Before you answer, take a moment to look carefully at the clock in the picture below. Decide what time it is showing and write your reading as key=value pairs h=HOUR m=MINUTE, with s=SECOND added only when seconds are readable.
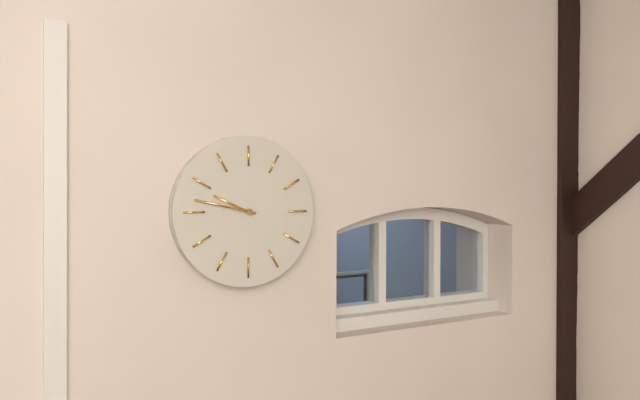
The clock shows h=9 m=47
